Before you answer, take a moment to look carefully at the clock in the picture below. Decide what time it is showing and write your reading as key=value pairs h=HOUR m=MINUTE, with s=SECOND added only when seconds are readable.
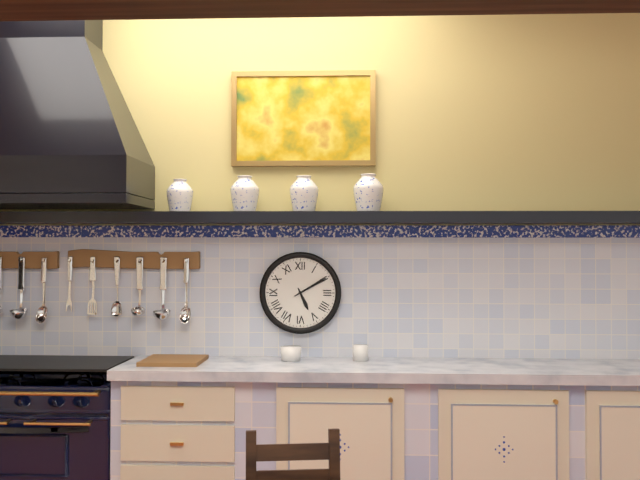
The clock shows h=5 m=10
